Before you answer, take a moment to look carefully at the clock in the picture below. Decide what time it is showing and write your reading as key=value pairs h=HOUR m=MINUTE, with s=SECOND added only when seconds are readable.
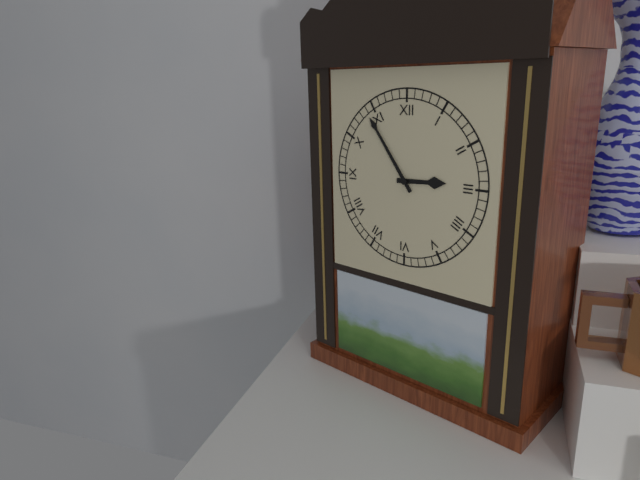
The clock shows h=2 m=54
